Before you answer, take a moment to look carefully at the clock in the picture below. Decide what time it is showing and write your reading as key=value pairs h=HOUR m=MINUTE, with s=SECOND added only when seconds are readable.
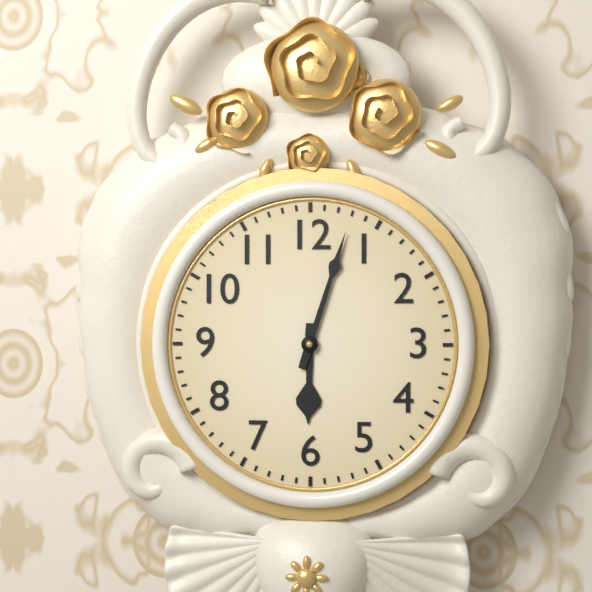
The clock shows h=6 m=3
